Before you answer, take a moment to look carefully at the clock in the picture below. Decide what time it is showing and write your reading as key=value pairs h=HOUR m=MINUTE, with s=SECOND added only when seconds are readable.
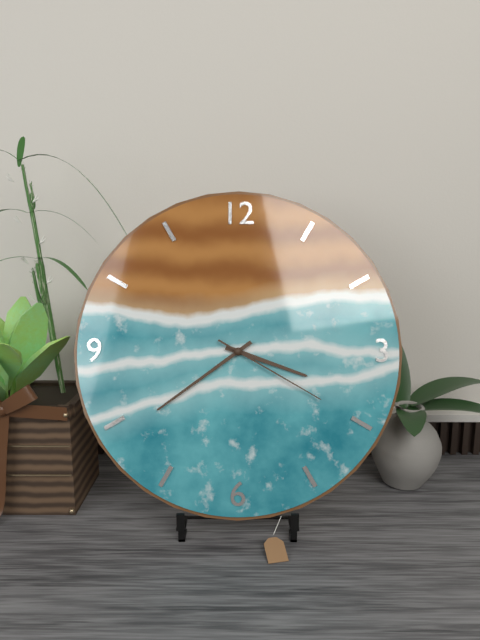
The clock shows h=3 m=39 s=20
